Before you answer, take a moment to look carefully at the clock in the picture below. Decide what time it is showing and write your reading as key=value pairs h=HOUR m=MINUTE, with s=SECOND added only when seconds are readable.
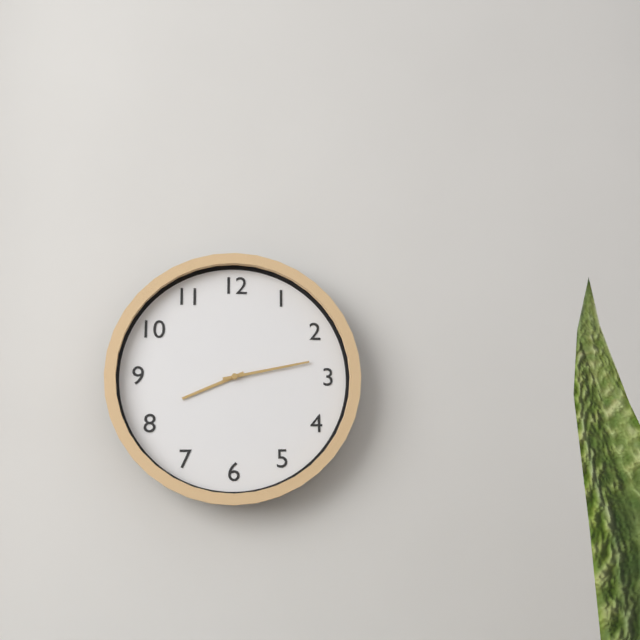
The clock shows h=8 m=13
